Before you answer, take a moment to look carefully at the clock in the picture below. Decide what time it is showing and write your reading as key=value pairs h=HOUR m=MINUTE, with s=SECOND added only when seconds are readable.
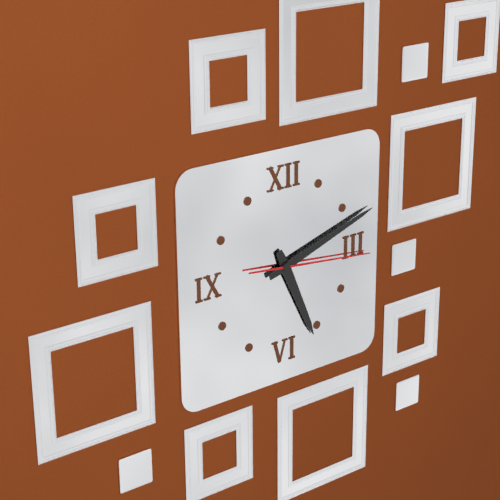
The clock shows h=5 m=12 s=16
